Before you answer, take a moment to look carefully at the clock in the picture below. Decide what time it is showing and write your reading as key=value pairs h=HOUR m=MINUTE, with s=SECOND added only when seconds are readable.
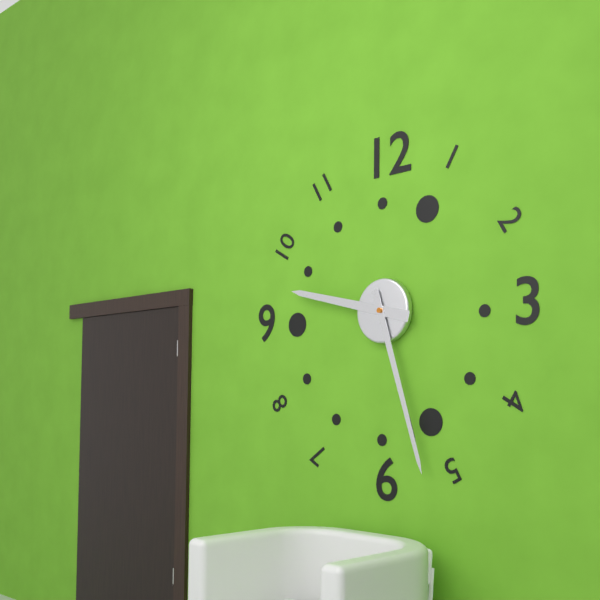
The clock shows h=9 m=27
